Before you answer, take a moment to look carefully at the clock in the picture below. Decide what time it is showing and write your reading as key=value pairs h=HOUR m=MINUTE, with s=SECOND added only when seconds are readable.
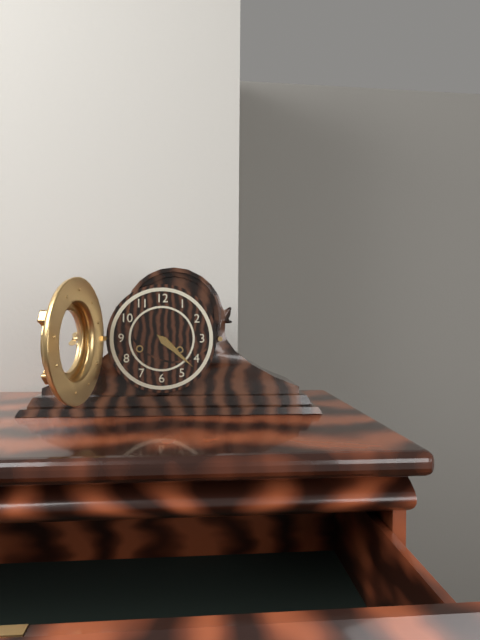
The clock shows h=4 m=22
